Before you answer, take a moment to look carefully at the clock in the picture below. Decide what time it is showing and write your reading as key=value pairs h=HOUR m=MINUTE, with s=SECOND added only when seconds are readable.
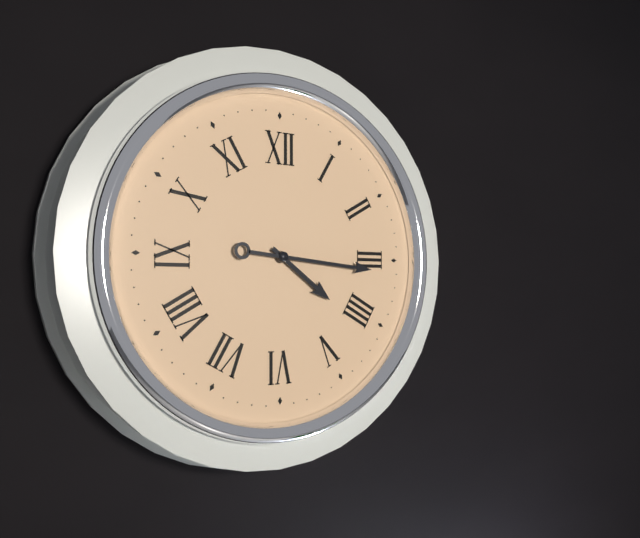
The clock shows h=4 m=16
